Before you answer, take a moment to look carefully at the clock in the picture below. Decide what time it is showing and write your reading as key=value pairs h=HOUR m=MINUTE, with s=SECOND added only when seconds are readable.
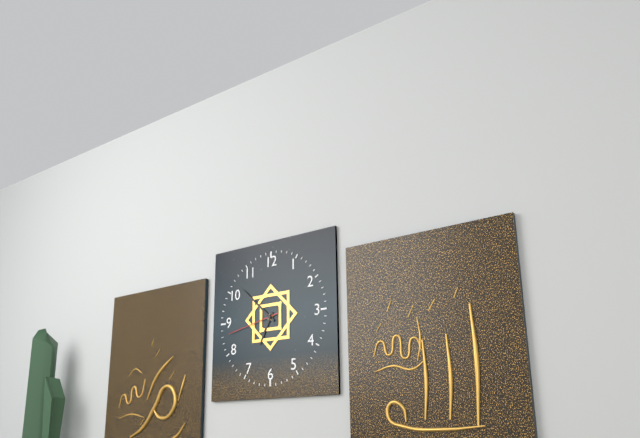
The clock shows h=6 m=52 s=43
